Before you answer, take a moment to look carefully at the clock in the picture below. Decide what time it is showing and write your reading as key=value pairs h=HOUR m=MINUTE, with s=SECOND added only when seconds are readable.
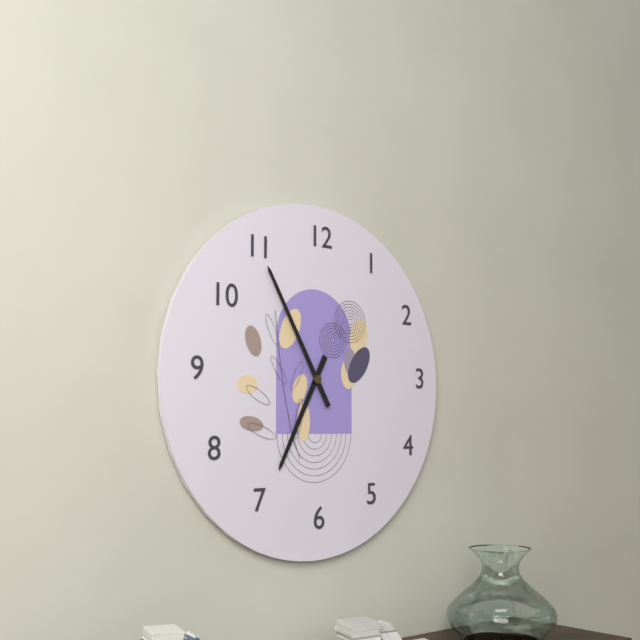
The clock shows h=6 m=55
